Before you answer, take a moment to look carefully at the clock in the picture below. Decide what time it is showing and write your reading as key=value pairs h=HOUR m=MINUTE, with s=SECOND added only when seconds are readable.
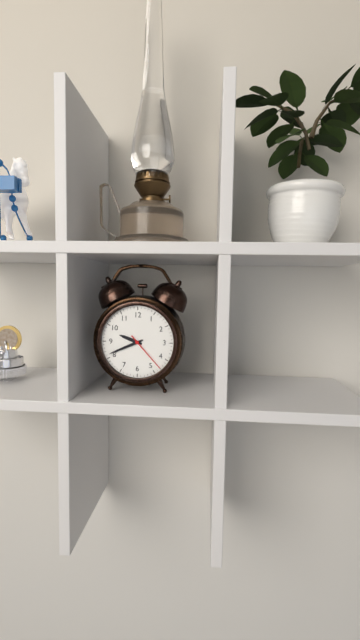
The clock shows h=9 m=41
